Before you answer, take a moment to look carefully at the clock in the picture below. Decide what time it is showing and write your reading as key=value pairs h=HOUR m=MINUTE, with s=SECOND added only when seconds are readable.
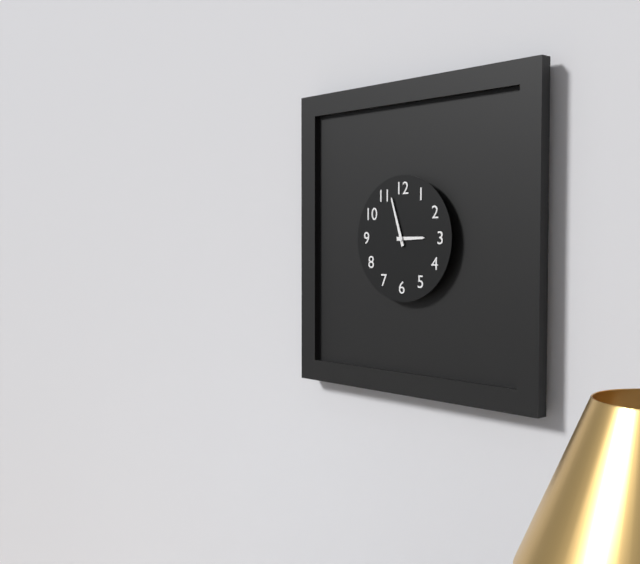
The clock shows h=2 m=57
